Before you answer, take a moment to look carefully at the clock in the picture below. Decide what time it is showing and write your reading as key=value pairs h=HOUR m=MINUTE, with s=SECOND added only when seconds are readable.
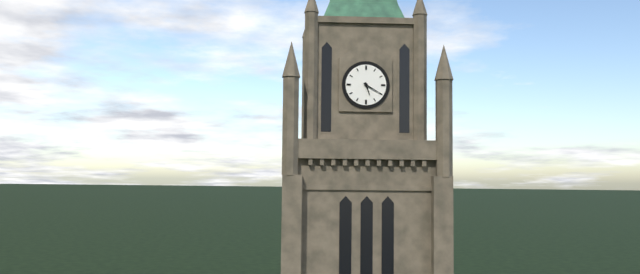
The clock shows h=5 m=20
